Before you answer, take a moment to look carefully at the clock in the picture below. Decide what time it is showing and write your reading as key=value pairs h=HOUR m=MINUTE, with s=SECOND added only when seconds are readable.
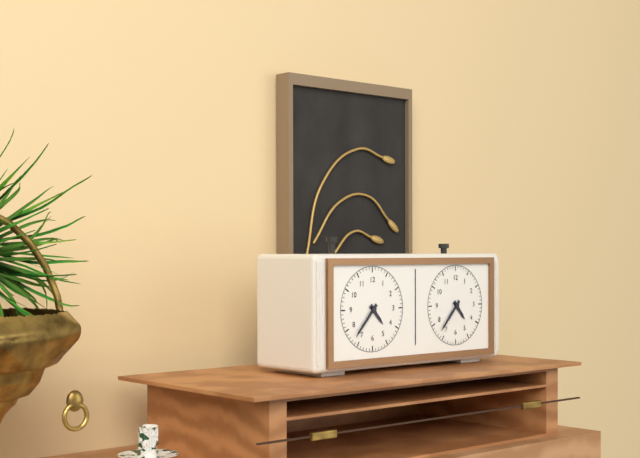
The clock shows h=4 m=37
